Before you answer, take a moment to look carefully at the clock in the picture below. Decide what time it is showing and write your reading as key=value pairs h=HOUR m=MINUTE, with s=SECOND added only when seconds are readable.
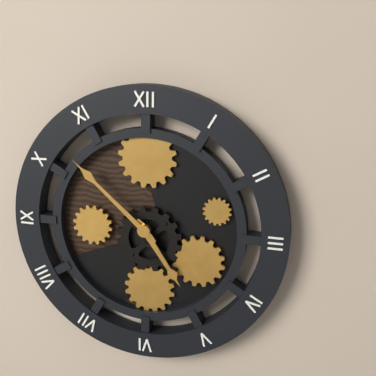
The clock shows h=4 m=52
